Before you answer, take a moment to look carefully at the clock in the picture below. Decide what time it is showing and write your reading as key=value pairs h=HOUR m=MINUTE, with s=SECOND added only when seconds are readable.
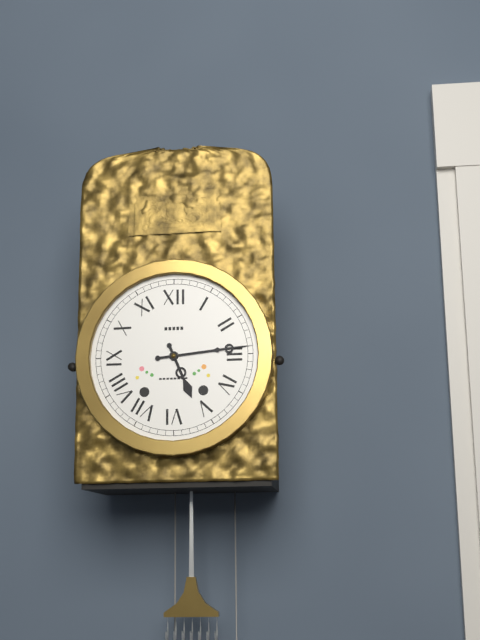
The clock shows h=5 m=14
